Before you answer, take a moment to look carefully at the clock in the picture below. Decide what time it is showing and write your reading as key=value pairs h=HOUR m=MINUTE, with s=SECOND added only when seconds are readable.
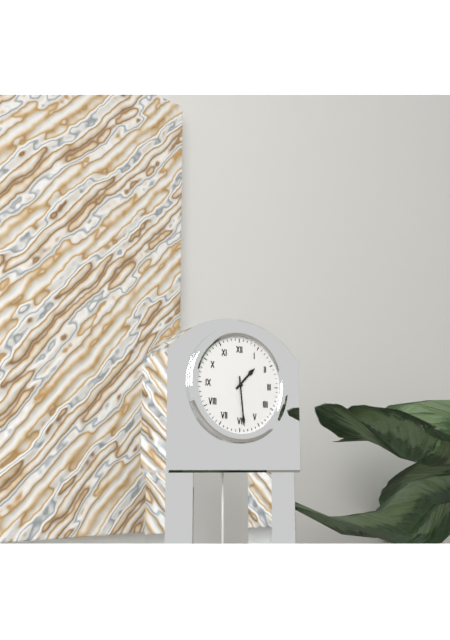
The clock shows h=1 m=29
